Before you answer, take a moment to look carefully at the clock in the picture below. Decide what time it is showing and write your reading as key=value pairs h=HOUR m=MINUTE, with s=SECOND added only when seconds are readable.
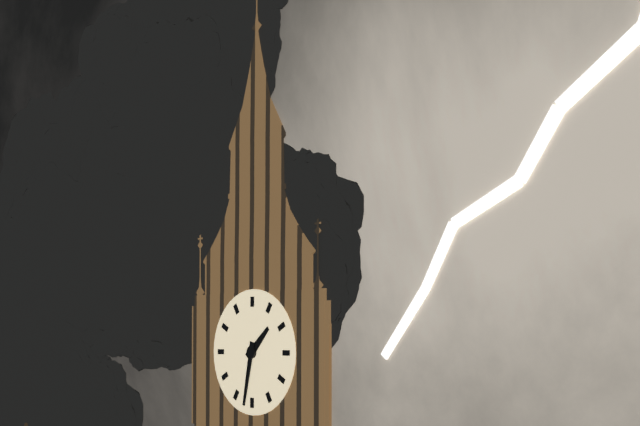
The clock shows h=1 m=32
